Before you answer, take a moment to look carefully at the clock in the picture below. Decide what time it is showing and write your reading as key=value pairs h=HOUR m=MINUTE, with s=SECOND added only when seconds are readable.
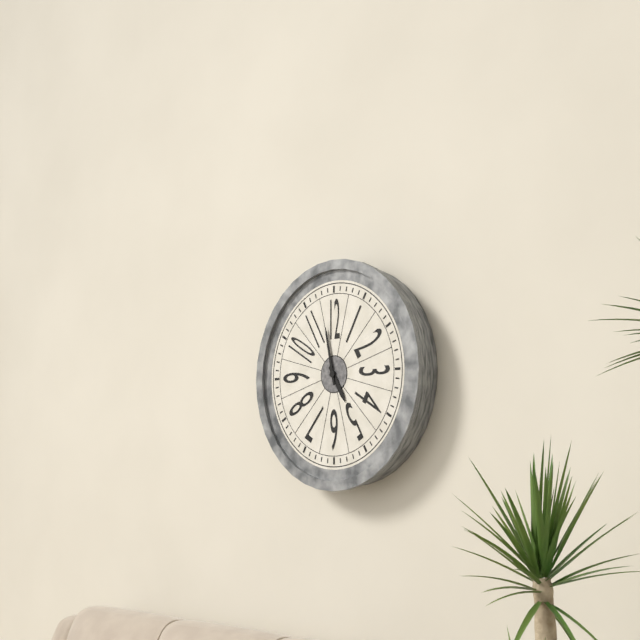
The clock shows h=4 m=58
